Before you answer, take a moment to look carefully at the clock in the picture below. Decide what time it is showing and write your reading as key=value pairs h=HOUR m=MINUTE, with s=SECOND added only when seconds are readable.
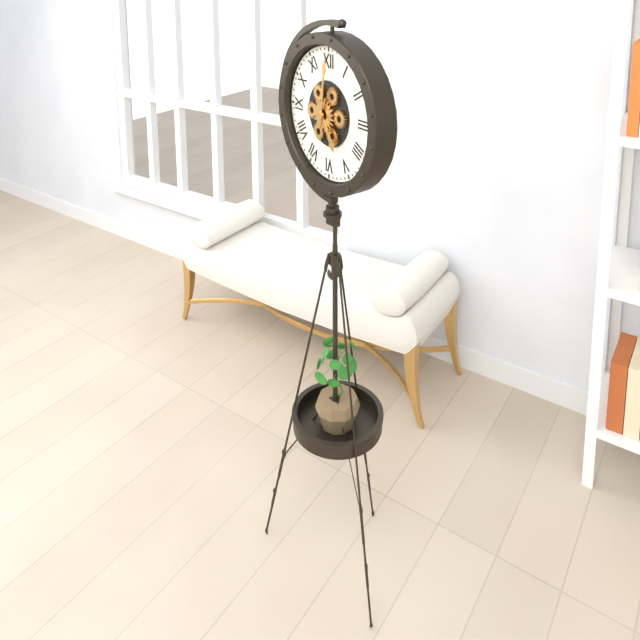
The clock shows h=5 m=1
